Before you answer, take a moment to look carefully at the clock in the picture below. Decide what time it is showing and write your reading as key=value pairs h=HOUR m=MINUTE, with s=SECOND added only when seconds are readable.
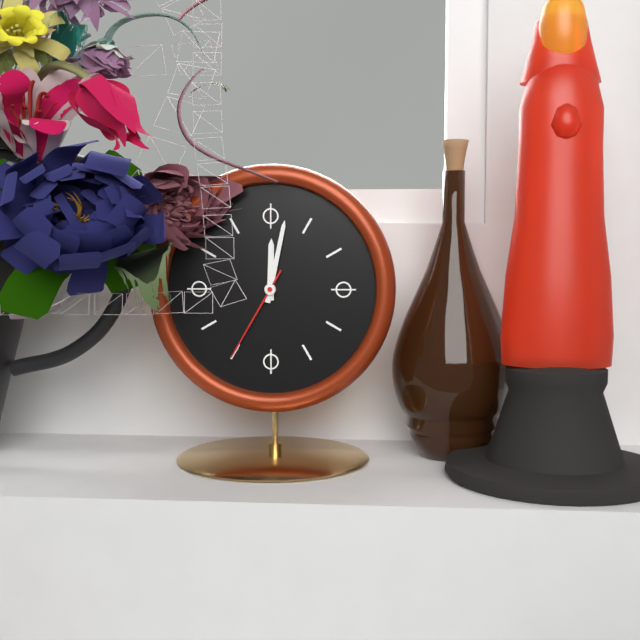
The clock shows h=12 m=2 s=35
